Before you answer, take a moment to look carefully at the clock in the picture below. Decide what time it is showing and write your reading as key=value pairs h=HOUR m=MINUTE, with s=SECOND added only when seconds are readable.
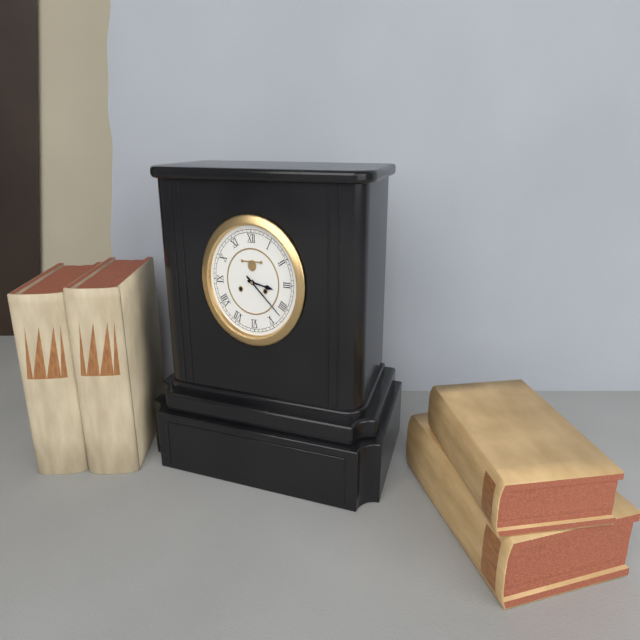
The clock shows h=3 m=22
